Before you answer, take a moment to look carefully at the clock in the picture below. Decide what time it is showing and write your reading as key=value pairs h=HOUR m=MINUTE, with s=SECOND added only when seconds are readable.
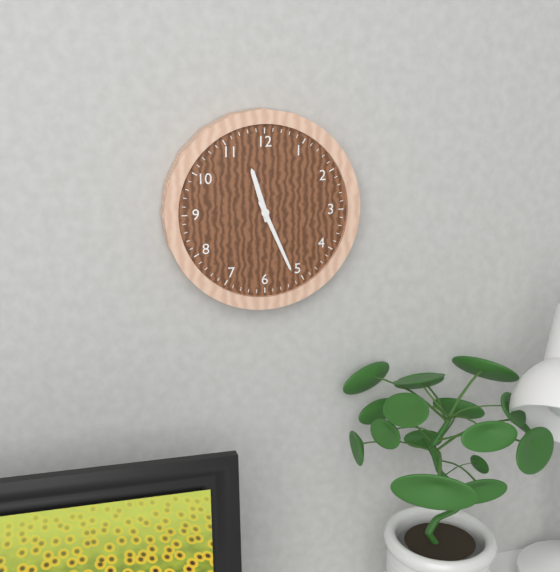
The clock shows h=11 m=26
